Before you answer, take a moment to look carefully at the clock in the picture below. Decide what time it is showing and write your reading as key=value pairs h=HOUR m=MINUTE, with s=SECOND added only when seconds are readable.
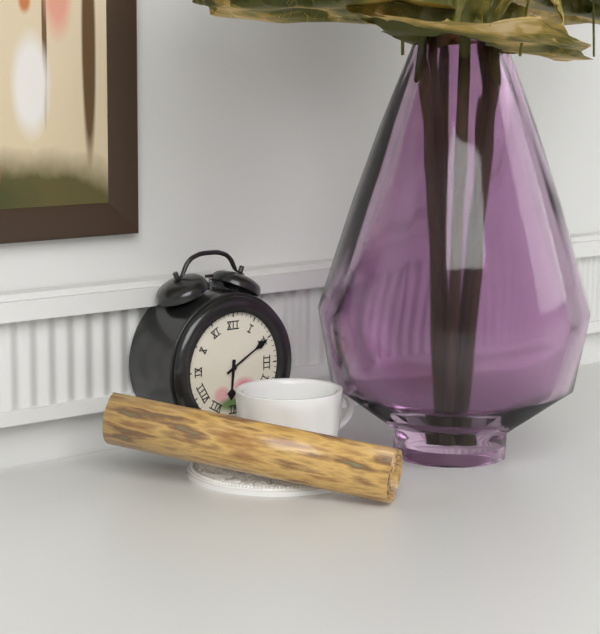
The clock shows h=6 m=10
